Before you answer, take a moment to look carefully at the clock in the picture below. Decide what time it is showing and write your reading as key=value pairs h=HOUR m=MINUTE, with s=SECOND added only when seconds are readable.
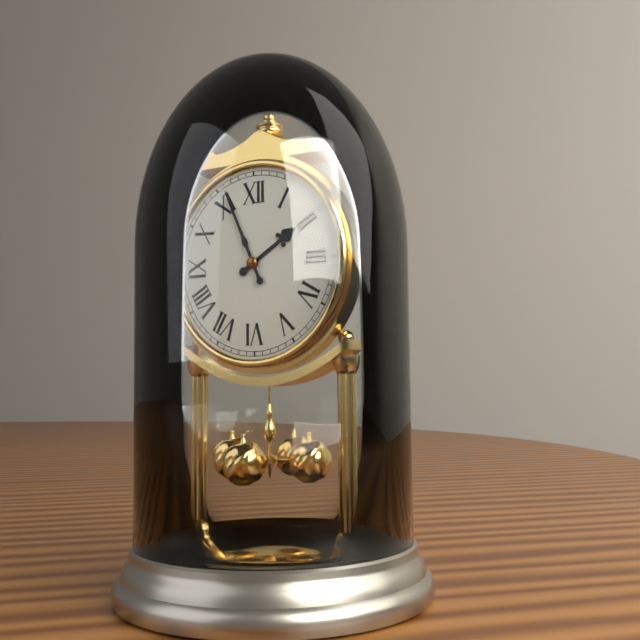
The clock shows h=1 m=56
